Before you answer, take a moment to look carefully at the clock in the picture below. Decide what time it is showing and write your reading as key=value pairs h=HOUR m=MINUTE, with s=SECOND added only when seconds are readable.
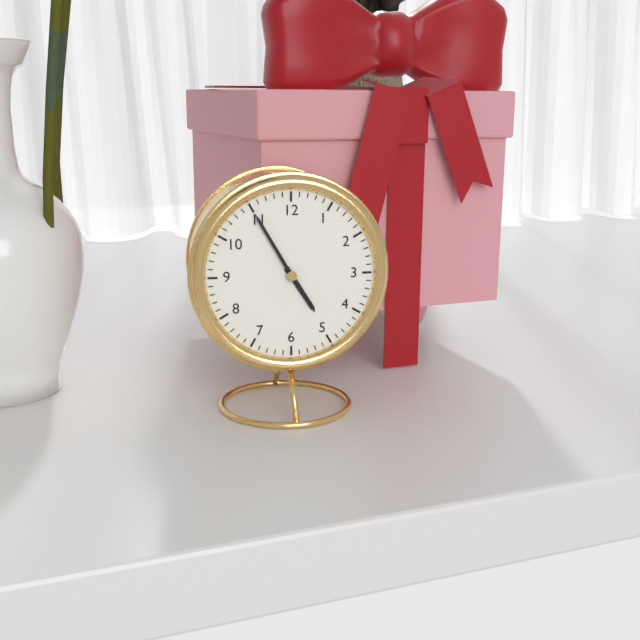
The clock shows h=4 m=55
